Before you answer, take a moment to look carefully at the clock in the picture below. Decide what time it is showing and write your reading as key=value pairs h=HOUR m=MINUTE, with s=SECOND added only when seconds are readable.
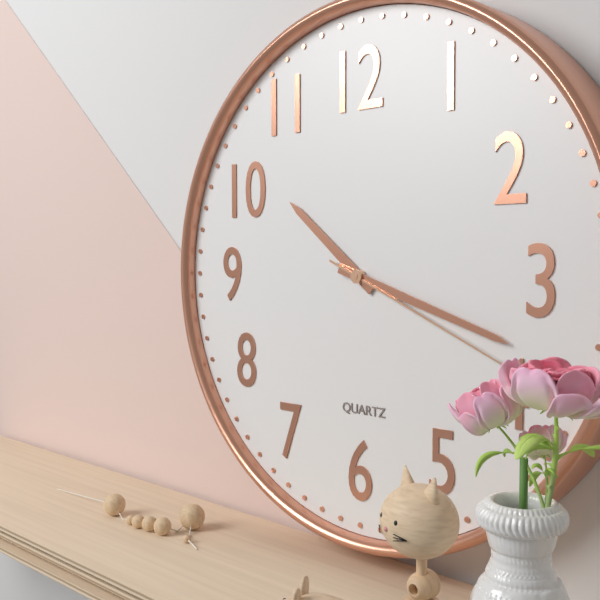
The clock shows h=10 m=18 s=19
